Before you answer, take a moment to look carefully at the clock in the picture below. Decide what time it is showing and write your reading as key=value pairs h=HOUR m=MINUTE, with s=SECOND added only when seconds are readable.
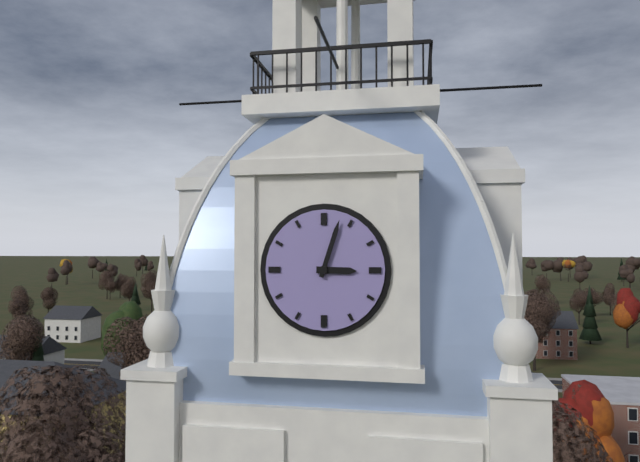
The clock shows h=3 m=3
